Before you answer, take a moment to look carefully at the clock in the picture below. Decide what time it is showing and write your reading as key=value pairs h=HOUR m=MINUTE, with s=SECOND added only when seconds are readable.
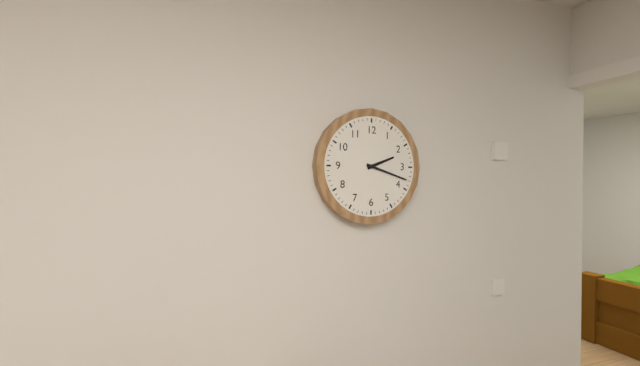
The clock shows h=2 m=18
